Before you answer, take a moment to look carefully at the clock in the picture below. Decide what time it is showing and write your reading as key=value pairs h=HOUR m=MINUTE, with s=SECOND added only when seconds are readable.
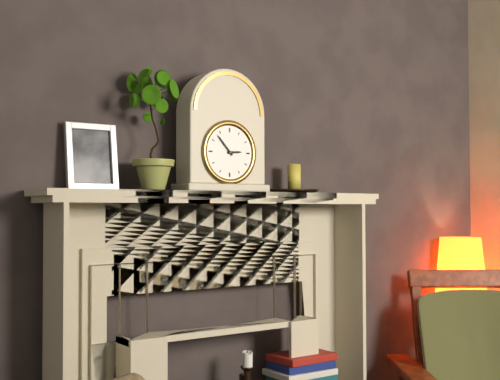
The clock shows h=2 m=53
